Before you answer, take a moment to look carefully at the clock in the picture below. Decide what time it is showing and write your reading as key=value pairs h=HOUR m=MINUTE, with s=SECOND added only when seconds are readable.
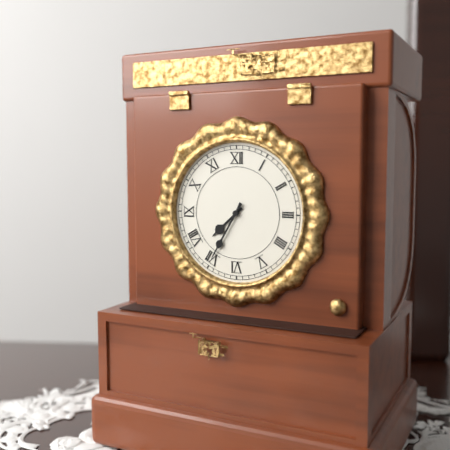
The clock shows h=7 m=35
